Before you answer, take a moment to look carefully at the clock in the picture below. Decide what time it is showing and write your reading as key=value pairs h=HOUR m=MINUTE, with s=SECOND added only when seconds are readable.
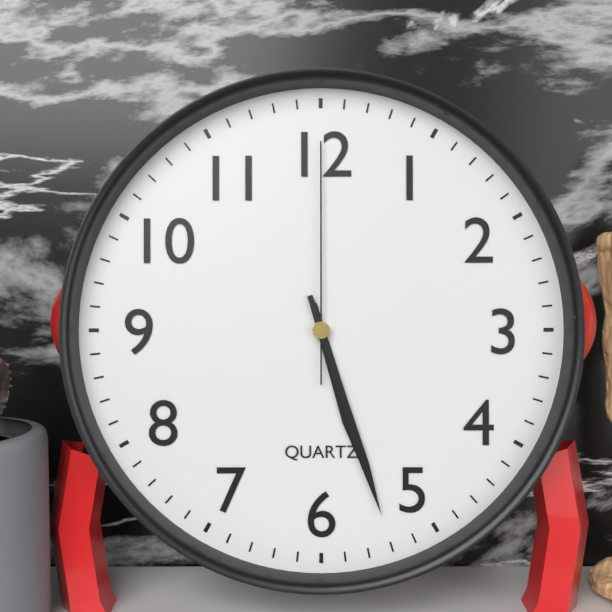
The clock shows h=5 m=27 s=0
